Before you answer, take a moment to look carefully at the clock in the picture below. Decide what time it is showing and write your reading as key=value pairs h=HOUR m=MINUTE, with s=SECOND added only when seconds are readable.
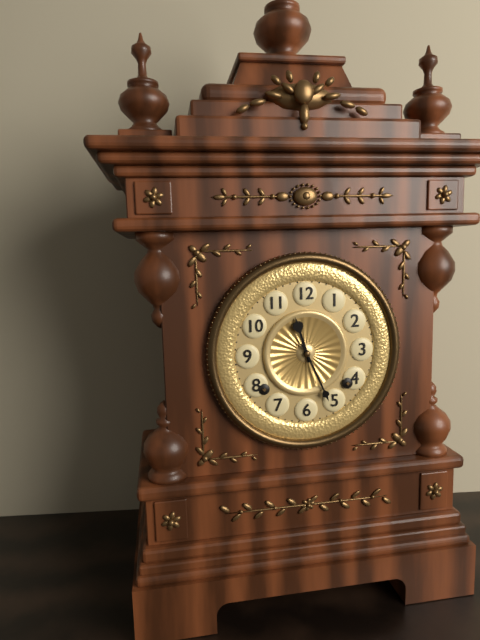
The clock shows h=11 m=26
